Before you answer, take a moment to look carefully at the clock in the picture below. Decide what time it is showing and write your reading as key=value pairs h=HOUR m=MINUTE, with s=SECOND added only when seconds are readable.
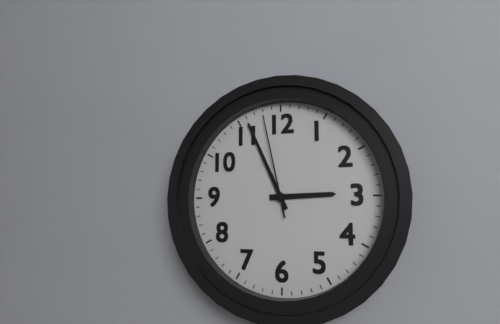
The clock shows h=2 m=56 s=58
